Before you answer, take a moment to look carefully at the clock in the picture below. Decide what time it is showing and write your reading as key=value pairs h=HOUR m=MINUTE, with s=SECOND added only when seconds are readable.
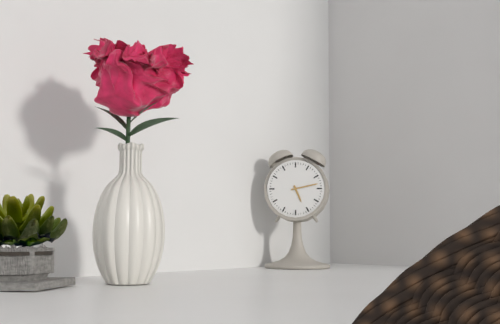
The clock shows h=5 m=13
